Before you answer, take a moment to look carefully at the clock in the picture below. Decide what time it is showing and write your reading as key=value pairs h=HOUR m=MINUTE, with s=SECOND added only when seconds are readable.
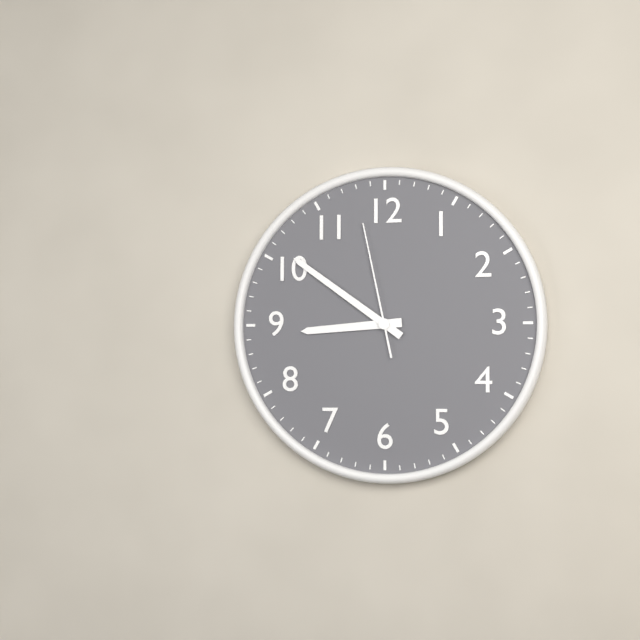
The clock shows h=8 m=51 s=58
